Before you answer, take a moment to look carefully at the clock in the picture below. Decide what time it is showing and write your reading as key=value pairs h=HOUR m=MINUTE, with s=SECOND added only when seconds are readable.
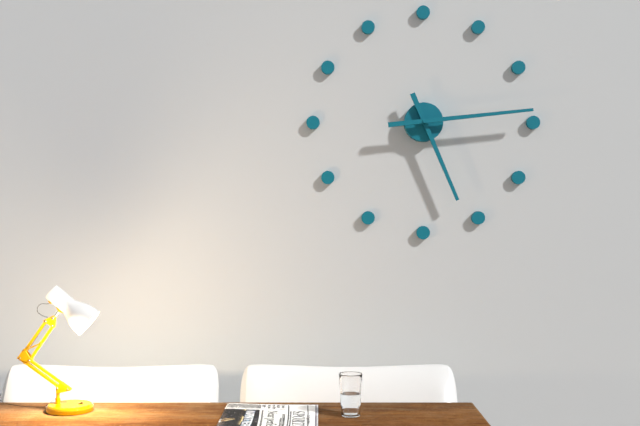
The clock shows h=5 m=14
